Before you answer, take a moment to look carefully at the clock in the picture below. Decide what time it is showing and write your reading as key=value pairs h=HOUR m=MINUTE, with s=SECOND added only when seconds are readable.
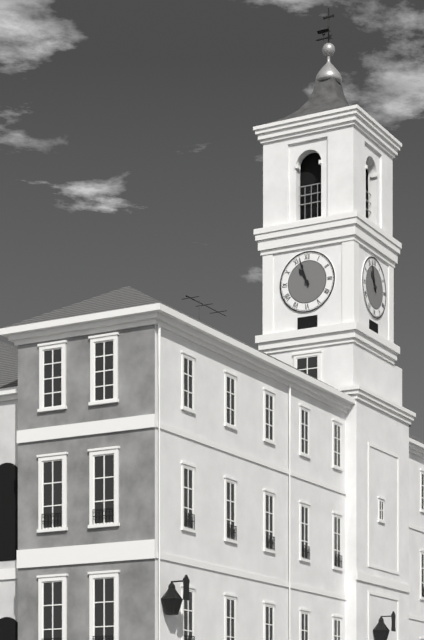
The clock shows h=10 m=57
